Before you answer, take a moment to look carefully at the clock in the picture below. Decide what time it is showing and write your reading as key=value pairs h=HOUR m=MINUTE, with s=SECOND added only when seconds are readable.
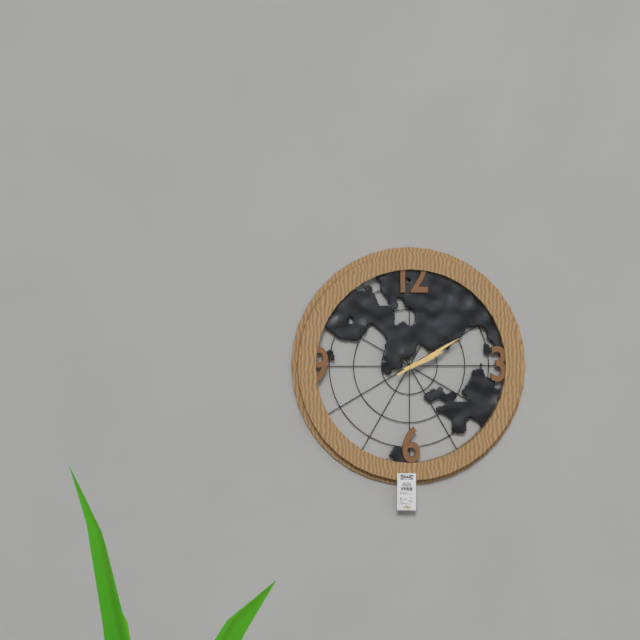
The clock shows h=2 m=10
